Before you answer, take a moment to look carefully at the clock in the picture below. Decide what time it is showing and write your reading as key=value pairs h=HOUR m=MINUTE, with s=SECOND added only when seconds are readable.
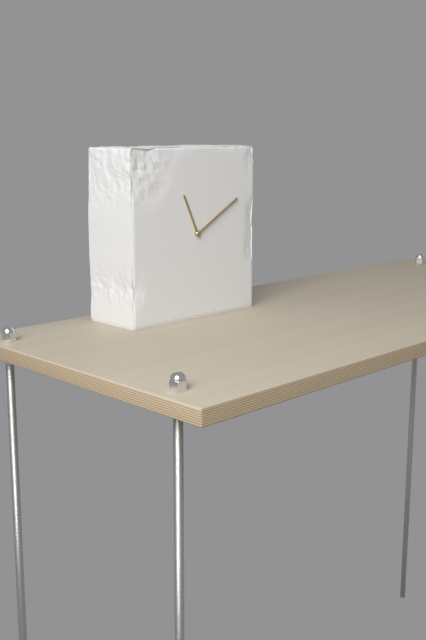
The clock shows h=11 m=10
